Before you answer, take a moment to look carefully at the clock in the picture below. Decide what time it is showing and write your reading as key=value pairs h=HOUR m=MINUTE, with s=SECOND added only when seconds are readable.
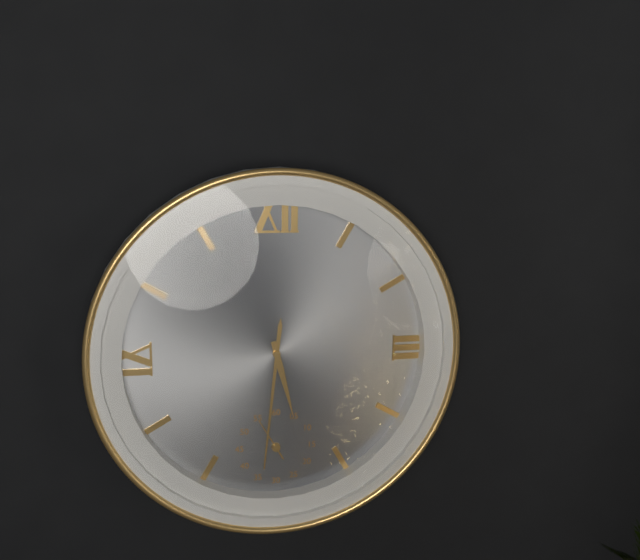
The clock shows h=5 m=31
